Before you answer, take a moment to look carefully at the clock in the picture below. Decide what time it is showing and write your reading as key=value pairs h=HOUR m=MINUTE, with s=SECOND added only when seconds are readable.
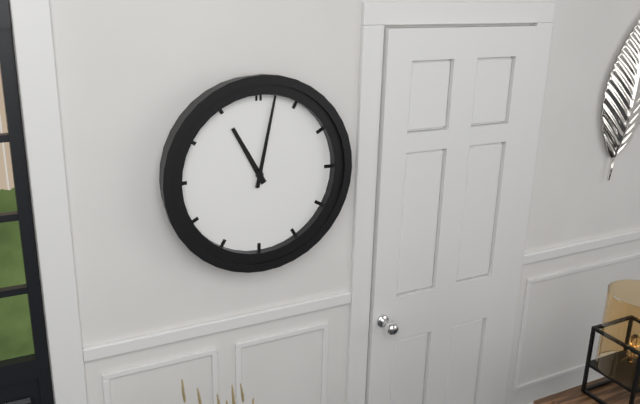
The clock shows h=11 m=2
